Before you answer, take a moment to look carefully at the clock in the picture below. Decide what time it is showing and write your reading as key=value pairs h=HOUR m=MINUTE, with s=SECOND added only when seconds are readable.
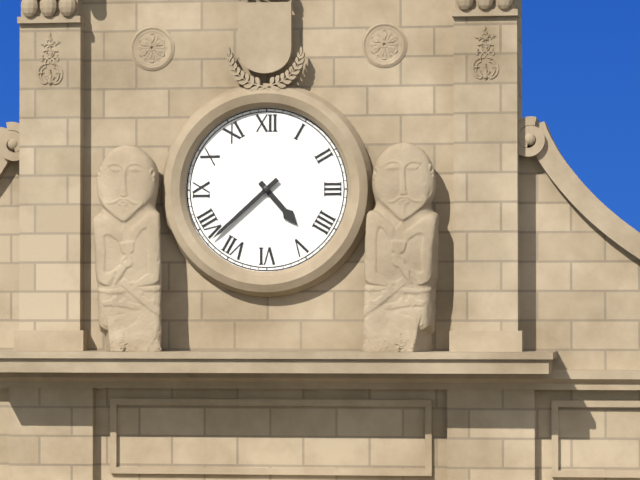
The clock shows h=4 m=38
